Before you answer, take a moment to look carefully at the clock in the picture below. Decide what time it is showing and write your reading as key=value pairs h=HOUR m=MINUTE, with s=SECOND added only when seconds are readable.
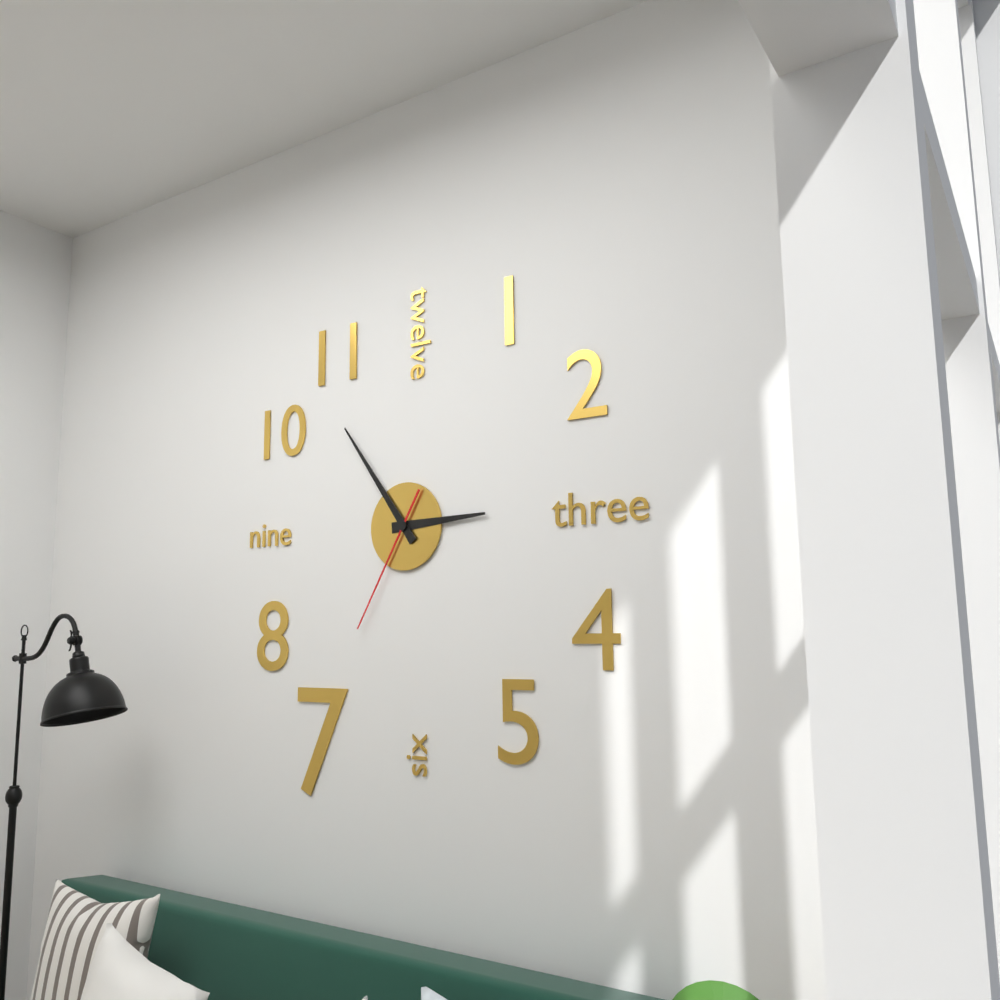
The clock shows h=2 m=54 s=35
